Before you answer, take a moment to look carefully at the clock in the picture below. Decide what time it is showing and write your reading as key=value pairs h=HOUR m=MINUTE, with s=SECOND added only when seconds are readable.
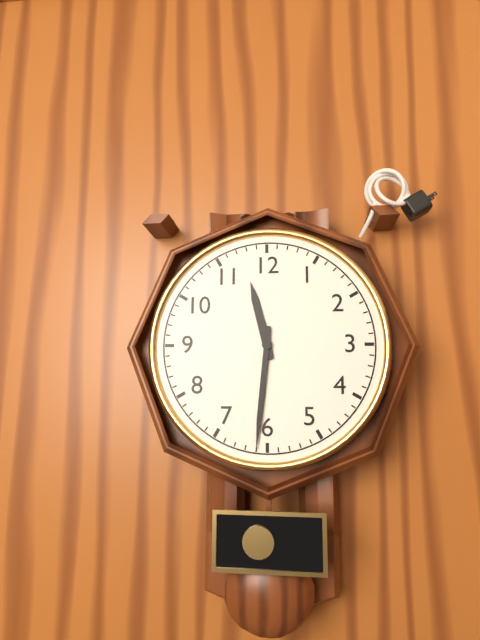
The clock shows h=11 m=31
